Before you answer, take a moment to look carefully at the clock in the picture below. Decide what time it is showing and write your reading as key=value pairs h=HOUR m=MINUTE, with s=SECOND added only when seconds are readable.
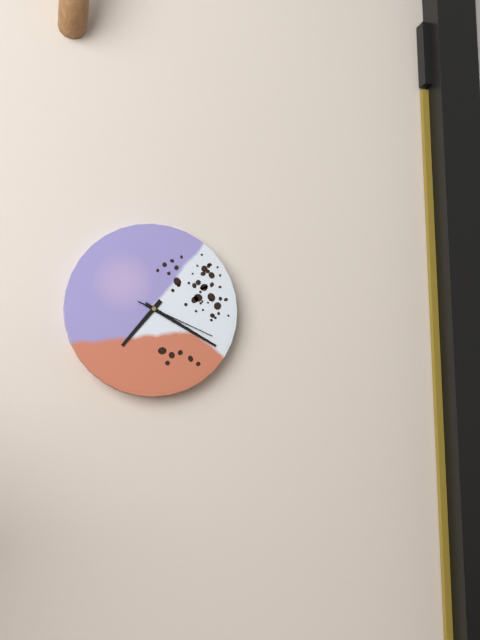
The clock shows h=7 m=20 s=19
